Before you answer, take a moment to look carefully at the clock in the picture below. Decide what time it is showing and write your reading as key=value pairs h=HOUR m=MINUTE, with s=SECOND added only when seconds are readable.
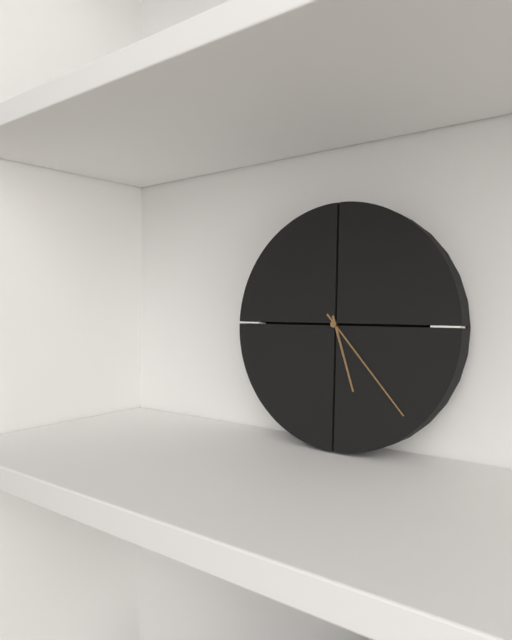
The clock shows h=5 m=23
